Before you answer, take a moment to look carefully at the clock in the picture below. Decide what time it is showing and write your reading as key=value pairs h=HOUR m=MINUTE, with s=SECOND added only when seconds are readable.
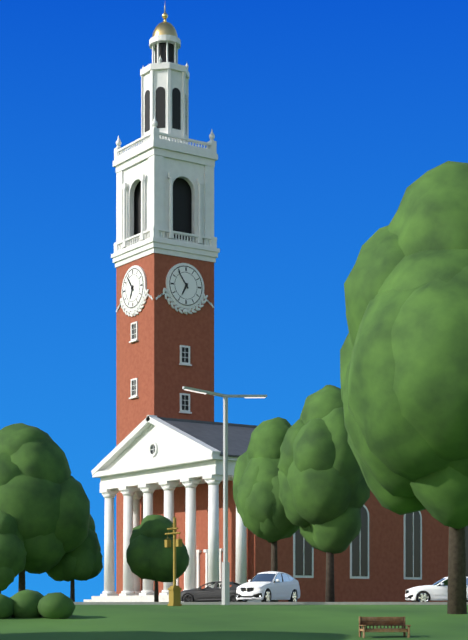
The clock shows h=6 m=54
